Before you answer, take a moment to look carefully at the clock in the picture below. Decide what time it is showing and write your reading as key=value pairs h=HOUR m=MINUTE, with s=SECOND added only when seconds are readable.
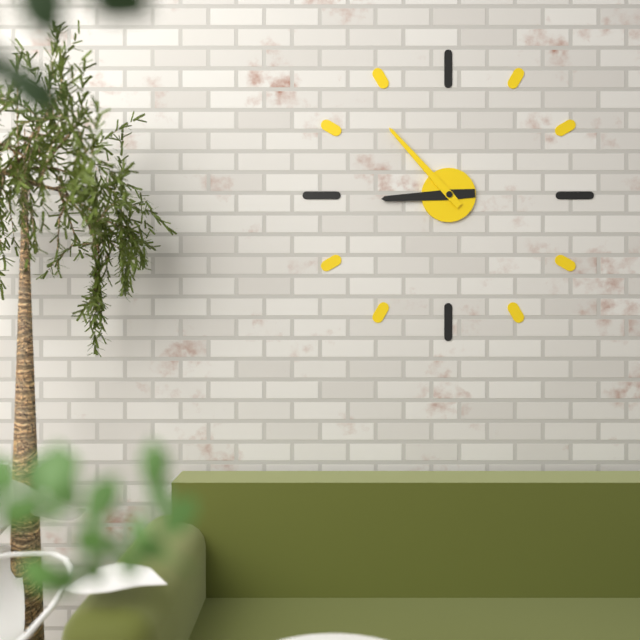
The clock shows h=8 m=53
